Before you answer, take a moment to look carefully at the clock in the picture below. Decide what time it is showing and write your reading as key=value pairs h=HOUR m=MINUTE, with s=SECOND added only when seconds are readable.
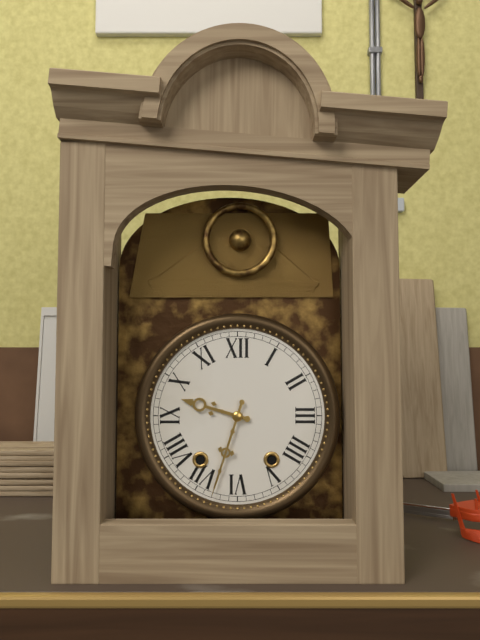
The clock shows h=9 m=33
